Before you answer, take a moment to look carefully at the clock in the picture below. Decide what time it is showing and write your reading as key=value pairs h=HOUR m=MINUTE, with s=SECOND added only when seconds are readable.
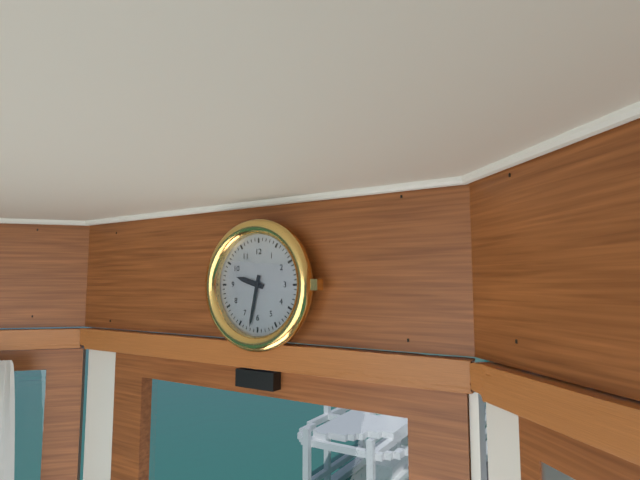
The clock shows h=9 m=32
